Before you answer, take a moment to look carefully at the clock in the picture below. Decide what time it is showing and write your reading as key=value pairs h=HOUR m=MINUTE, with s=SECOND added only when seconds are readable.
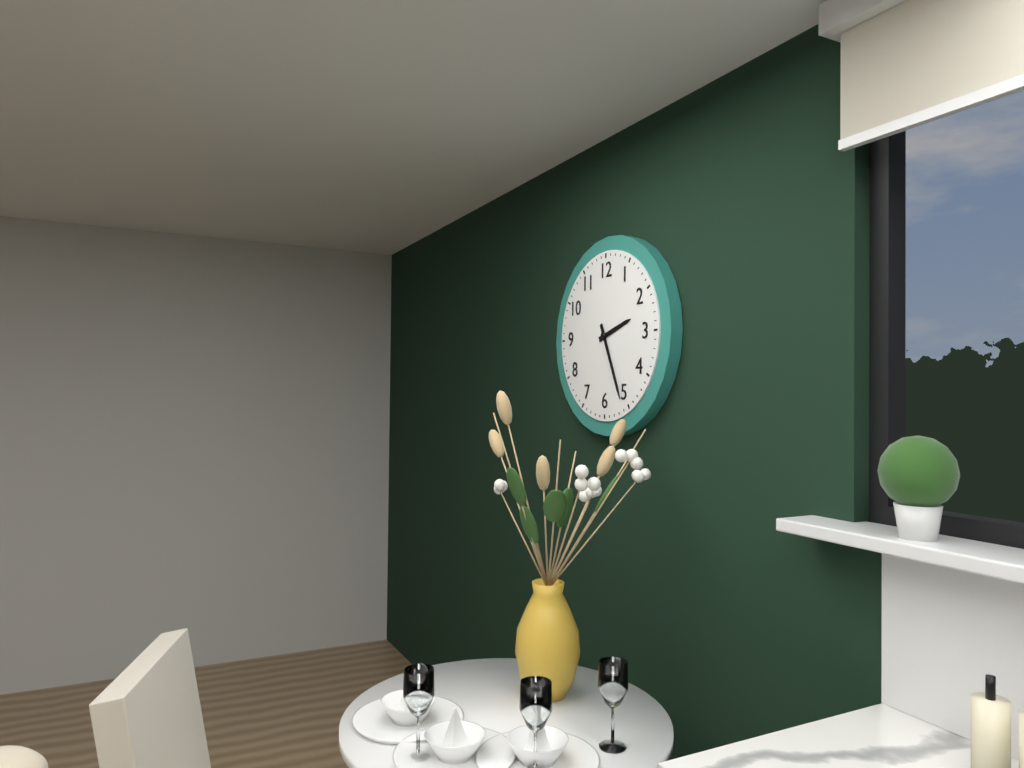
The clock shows h=2 m=26
